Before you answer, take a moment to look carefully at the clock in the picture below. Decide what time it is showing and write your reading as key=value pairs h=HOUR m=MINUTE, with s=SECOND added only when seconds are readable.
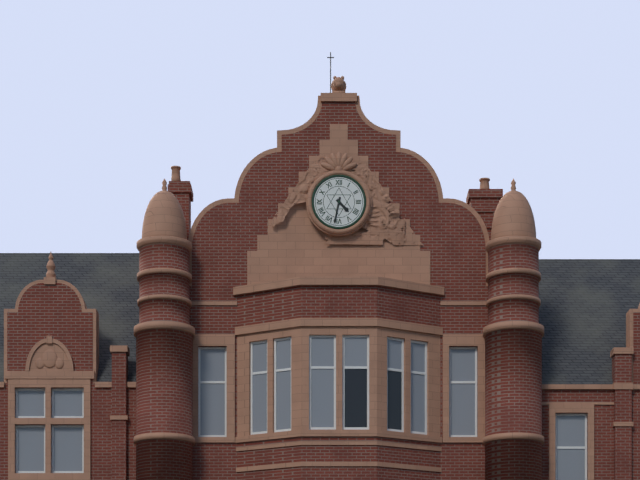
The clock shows h=4 m=32
